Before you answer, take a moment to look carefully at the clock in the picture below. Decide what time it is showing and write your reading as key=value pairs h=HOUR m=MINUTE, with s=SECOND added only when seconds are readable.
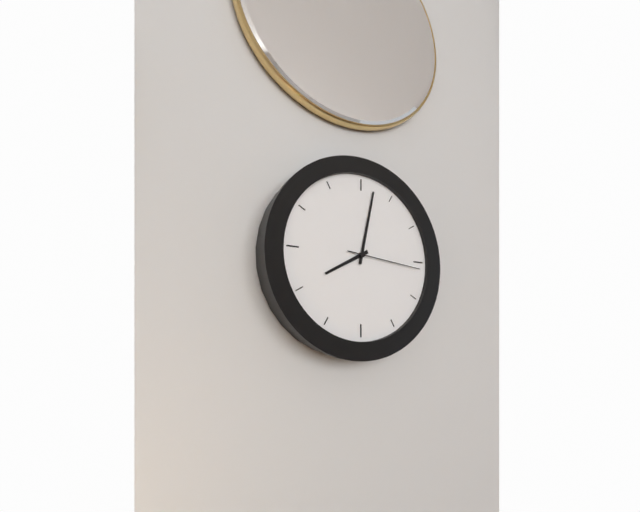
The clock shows h=8 m=2 s=16
